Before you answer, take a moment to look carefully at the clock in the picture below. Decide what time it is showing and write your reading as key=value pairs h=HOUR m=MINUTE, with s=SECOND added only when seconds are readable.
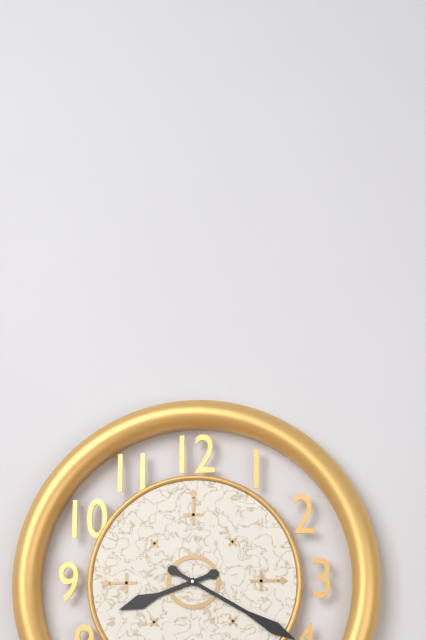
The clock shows h=8 m=20
